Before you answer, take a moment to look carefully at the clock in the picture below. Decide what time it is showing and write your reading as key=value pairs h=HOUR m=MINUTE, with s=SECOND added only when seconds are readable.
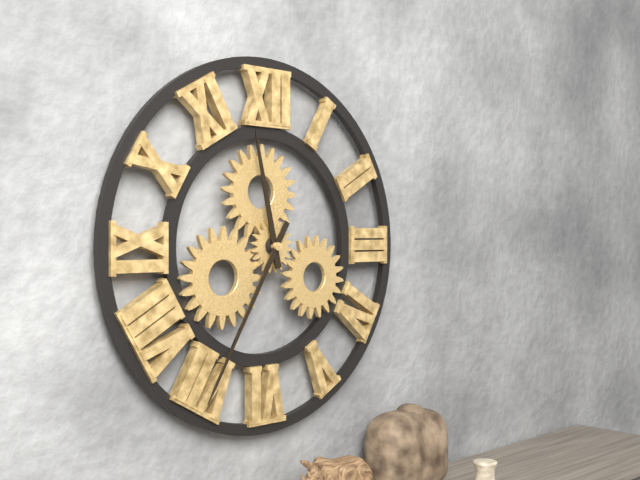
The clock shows h=11 m=35
